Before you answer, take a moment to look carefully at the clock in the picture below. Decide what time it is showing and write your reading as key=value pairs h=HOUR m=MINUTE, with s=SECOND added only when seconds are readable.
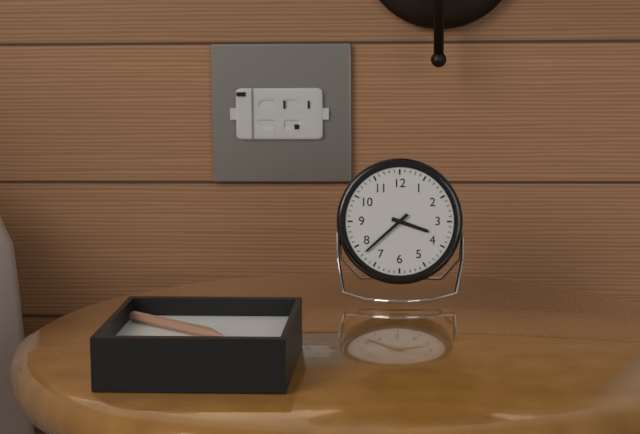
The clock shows h=3 m=38
